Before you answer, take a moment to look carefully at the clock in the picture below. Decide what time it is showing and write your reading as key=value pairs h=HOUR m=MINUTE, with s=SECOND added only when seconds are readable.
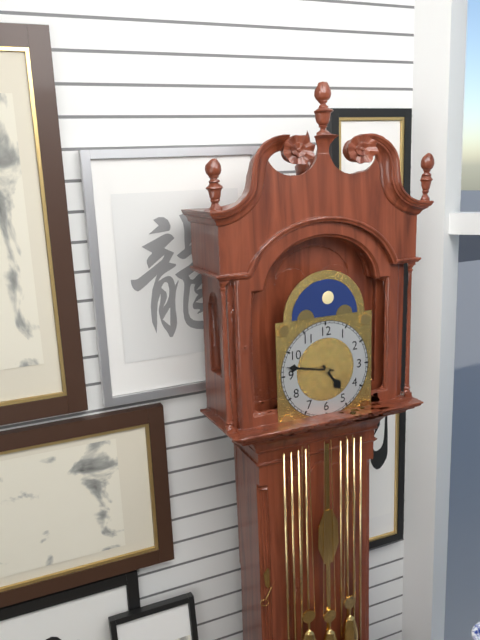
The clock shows h=4 m=47
